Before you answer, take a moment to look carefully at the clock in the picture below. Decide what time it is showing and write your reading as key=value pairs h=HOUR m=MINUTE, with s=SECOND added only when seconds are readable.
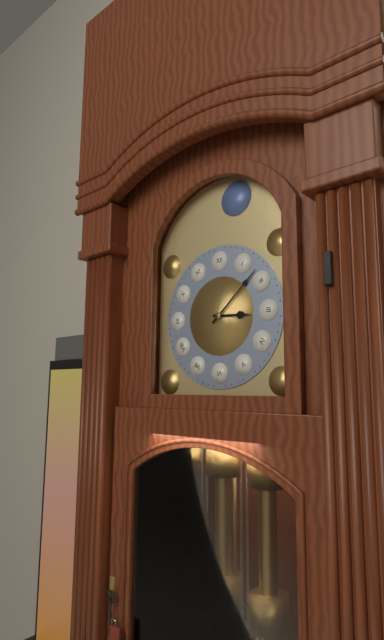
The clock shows h=3 m=8
